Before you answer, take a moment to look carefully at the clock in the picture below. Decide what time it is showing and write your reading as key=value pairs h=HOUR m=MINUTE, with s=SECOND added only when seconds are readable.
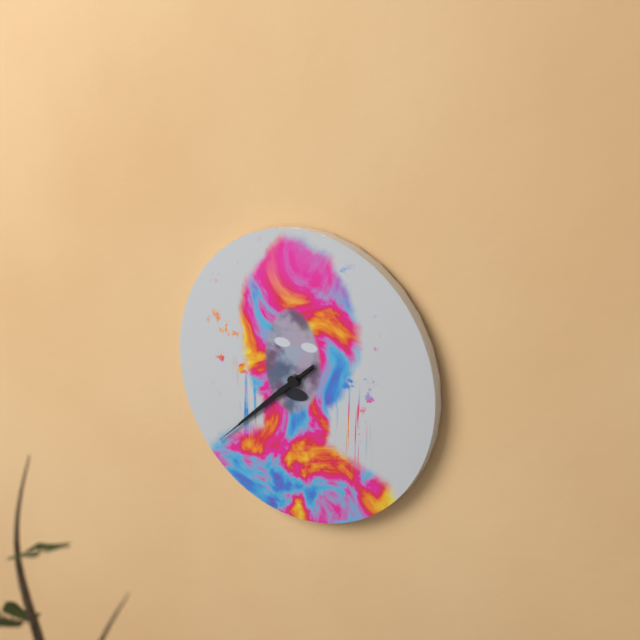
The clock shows h=7 m=38
